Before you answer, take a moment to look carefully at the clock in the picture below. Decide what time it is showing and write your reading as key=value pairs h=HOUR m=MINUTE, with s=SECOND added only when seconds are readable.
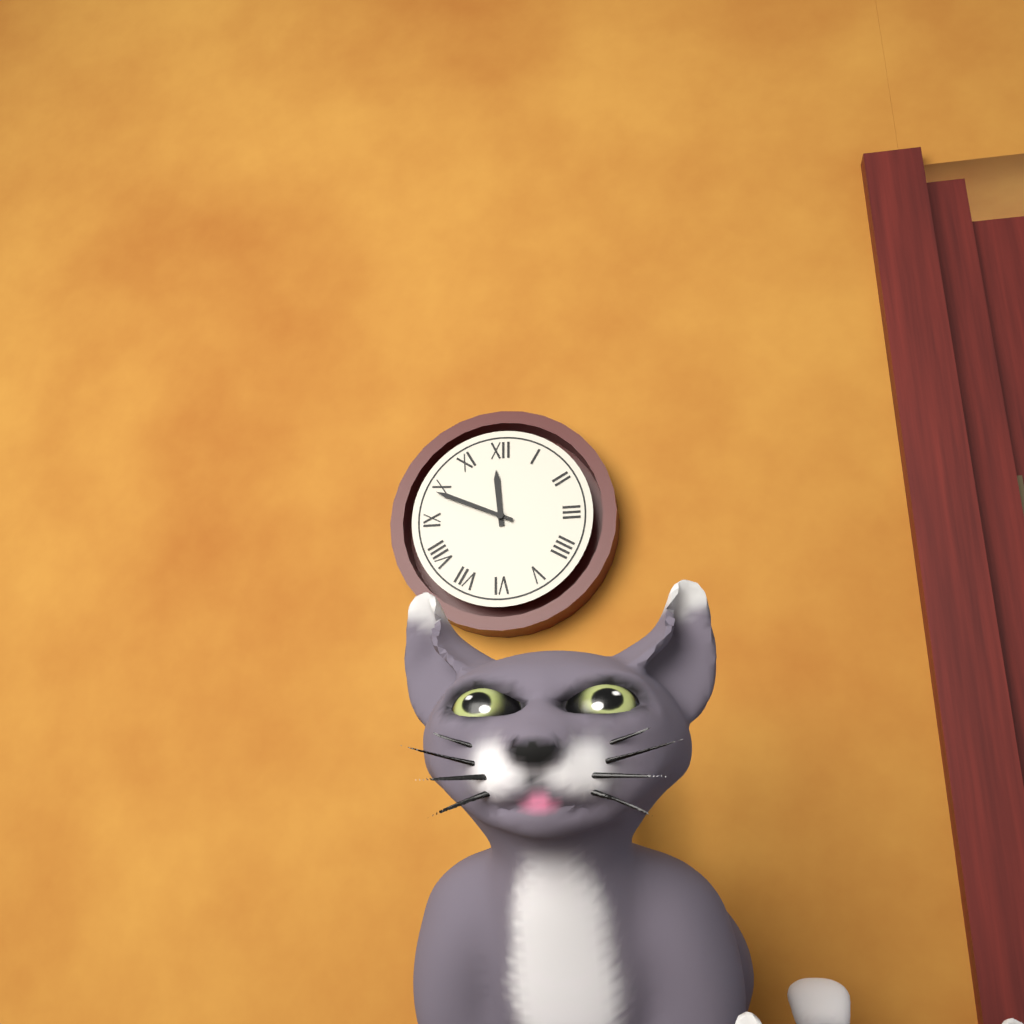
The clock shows h=11 m=49
